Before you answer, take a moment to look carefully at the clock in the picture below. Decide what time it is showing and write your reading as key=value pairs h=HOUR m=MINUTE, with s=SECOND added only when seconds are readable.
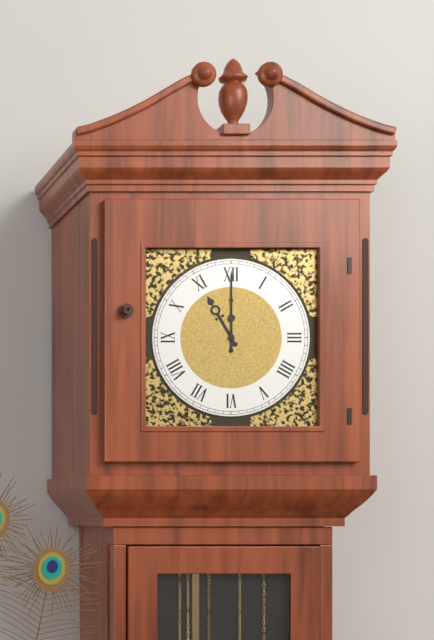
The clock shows h=11 m=0
